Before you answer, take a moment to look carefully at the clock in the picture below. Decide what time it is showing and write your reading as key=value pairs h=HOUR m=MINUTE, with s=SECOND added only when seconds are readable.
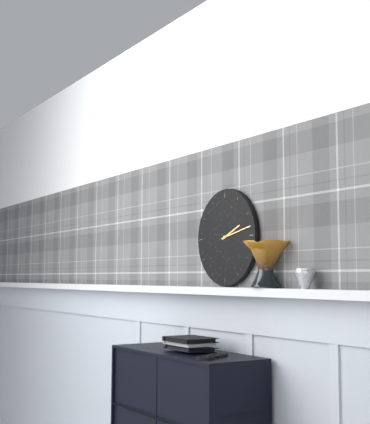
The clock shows h=2 m=13
